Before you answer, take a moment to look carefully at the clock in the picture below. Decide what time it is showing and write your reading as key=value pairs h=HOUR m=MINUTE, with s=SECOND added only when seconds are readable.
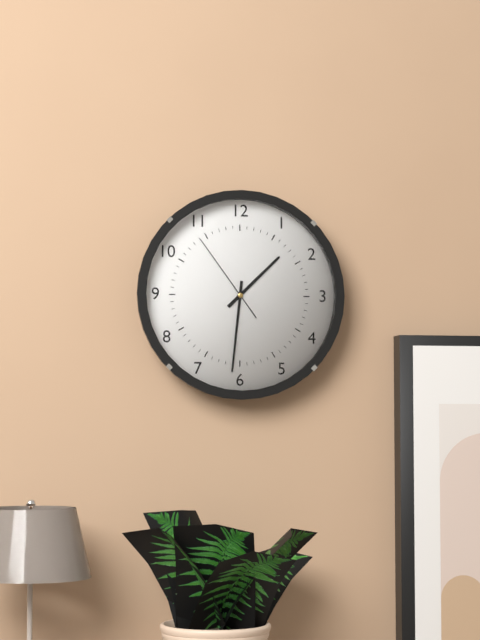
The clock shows h=1 m=31 s=54
